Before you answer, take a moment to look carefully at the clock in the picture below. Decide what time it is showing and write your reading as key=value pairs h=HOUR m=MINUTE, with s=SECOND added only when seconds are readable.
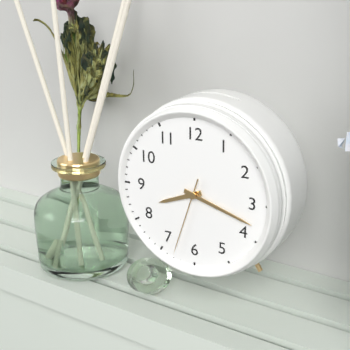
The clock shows h=8 m=18 s=33
